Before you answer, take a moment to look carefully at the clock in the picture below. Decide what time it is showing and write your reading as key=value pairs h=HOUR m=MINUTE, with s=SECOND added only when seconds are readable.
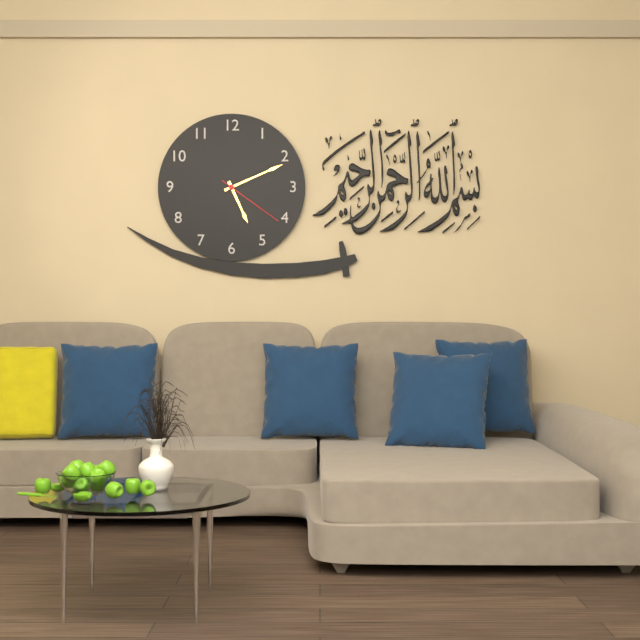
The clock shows h=5 m=11 s=21
